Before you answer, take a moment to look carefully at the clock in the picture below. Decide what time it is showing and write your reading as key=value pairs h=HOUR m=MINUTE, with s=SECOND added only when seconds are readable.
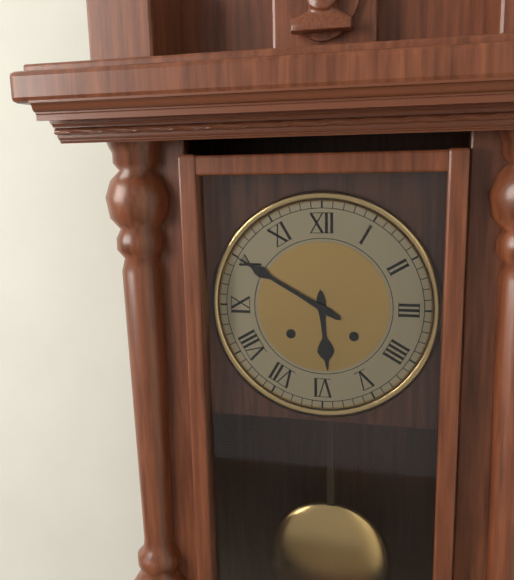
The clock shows h=5 m=50
